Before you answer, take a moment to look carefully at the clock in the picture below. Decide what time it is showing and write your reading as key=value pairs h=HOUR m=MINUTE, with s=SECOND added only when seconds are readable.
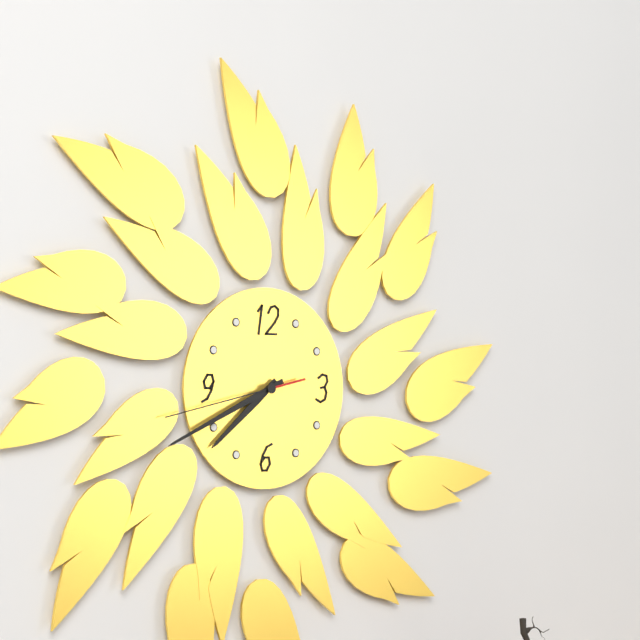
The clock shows h=7 m=41 s=43
